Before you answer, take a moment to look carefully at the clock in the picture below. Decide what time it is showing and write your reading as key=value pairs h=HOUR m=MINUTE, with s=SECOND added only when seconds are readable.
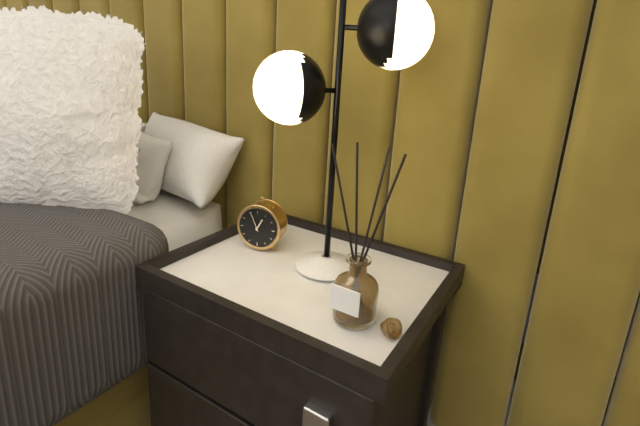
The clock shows h=12 m=56
